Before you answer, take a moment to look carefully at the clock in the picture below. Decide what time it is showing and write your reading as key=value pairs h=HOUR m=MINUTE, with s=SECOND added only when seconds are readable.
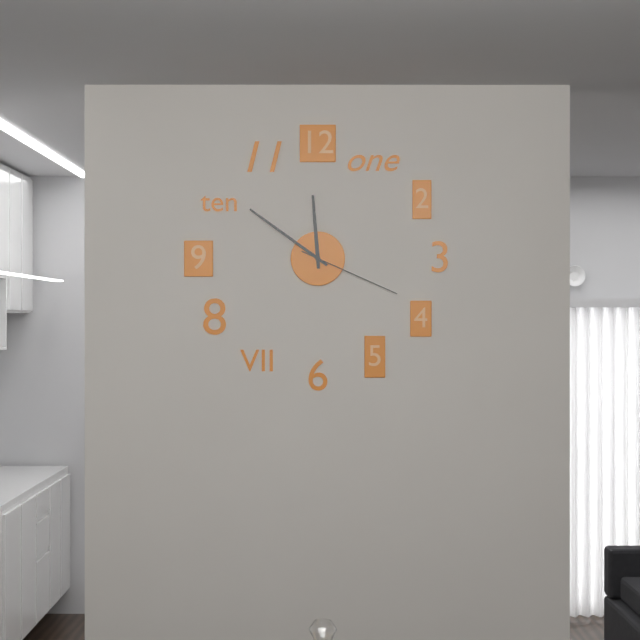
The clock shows h=11 m=51 s=19
